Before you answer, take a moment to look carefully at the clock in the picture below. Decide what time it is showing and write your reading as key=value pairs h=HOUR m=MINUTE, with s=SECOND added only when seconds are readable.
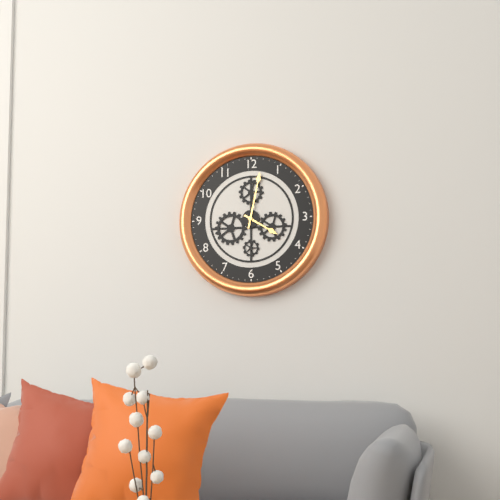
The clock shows h=4 m=2
